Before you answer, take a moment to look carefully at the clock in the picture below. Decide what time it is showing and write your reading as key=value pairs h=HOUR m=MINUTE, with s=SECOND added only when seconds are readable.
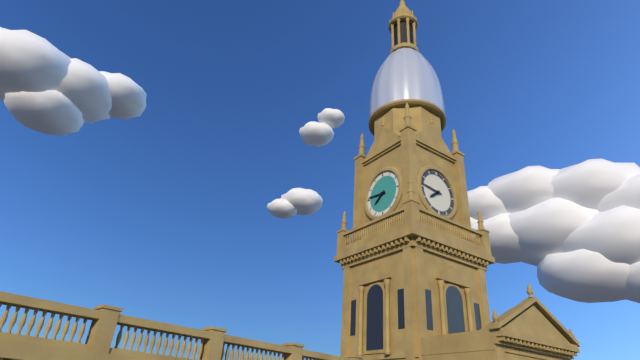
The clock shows h=7 m=46
